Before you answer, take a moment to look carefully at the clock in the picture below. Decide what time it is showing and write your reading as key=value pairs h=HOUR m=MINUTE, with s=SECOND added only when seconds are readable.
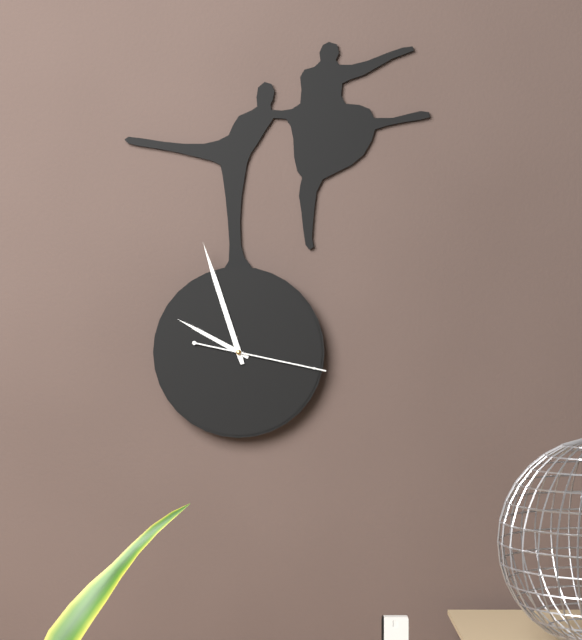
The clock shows h=9 m=57 s=17
